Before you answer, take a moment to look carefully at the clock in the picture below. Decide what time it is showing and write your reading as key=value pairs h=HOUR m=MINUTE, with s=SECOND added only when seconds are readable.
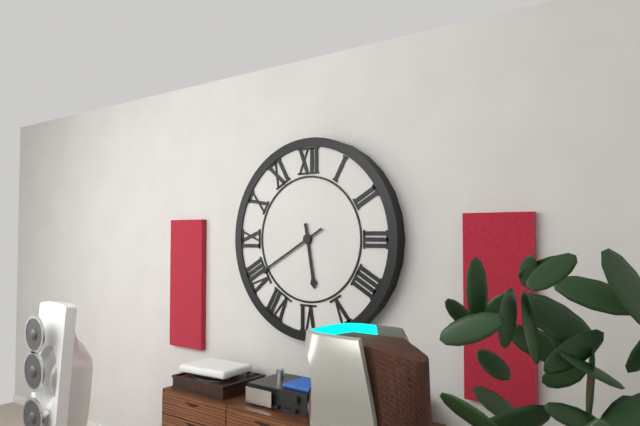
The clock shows h=5 m=40
